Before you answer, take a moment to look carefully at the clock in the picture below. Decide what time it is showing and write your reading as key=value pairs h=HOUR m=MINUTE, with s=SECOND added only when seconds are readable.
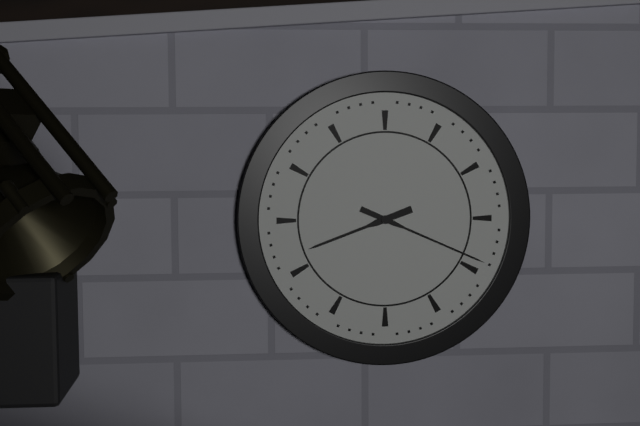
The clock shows h=8 m=19
